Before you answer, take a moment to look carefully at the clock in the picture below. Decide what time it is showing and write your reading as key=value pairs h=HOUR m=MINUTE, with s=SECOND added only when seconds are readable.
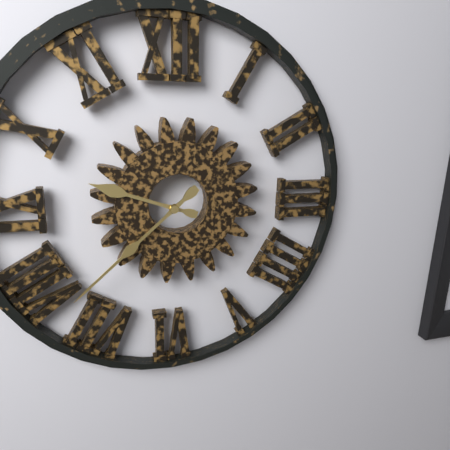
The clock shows h=9 m=38
